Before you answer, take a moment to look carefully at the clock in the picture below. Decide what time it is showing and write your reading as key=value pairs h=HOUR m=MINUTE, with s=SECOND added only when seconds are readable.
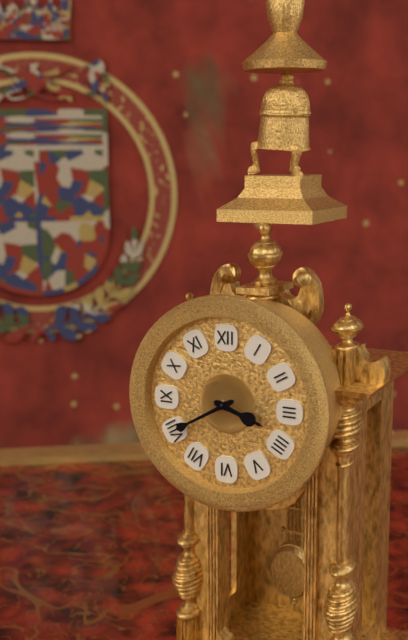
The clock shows h=3 m=40
